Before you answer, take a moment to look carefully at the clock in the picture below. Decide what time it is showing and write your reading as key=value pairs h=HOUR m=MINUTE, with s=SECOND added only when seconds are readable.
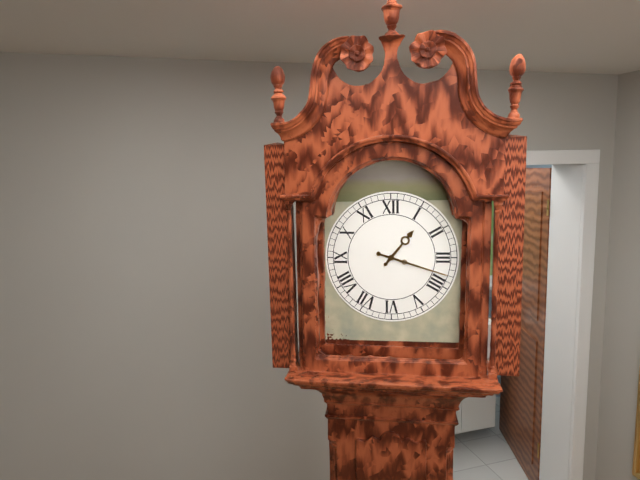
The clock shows h=1 m=18
